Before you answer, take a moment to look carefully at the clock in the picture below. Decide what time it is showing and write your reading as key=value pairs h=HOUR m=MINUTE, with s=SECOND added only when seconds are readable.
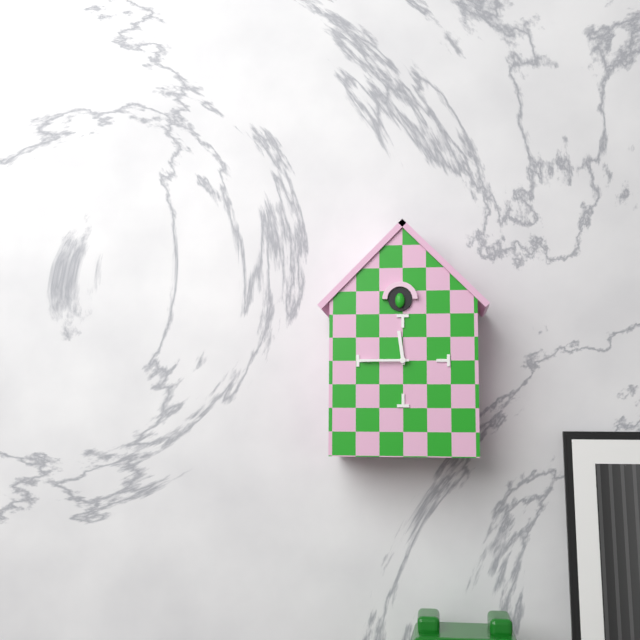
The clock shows h=11 m=45
